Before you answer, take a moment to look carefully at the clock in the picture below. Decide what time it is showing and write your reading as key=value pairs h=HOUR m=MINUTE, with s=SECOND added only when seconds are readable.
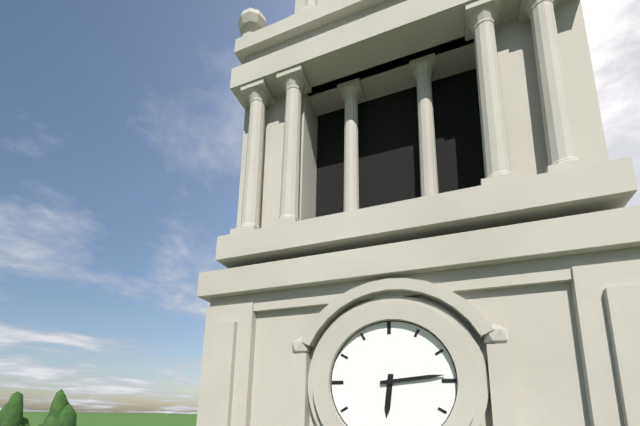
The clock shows h=6 m=14
